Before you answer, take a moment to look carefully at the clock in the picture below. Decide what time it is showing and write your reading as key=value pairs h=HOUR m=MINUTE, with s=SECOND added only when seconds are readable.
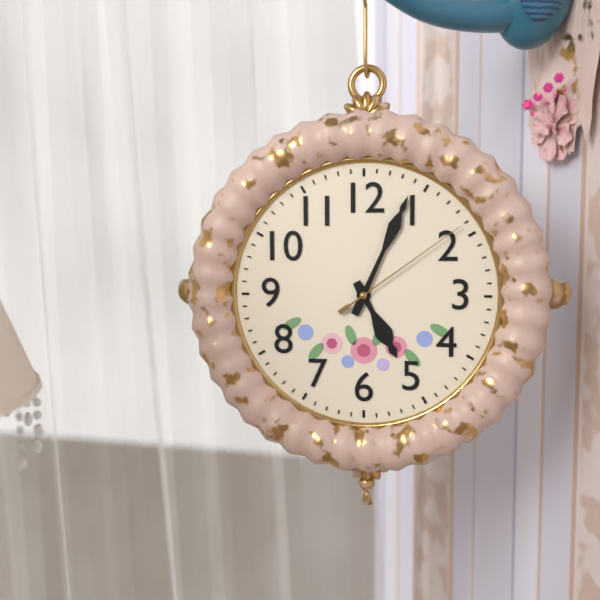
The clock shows h=5 m=4 s=9
